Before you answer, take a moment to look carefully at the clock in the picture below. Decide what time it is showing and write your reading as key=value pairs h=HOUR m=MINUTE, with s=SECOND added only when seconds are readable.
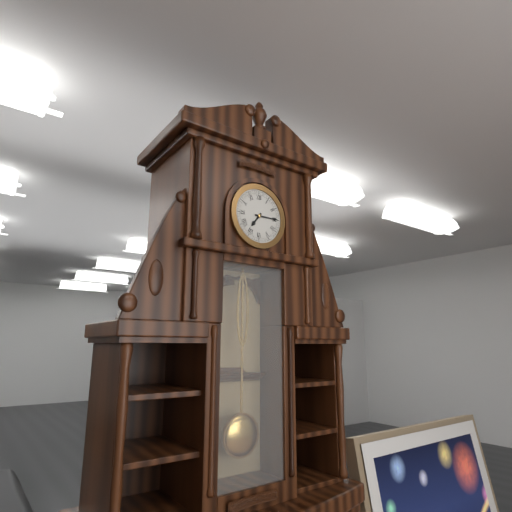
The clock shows h=7 m=15
